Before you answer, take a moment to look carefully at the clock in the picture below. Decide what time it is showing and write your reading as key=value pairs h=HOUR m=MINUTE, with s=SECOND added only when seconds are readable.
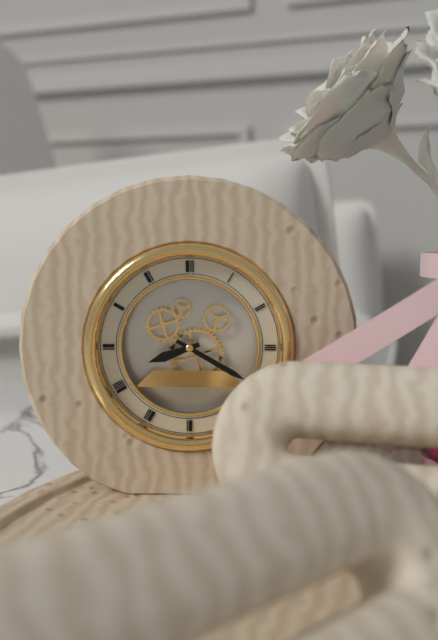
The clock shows h=8 m=20
